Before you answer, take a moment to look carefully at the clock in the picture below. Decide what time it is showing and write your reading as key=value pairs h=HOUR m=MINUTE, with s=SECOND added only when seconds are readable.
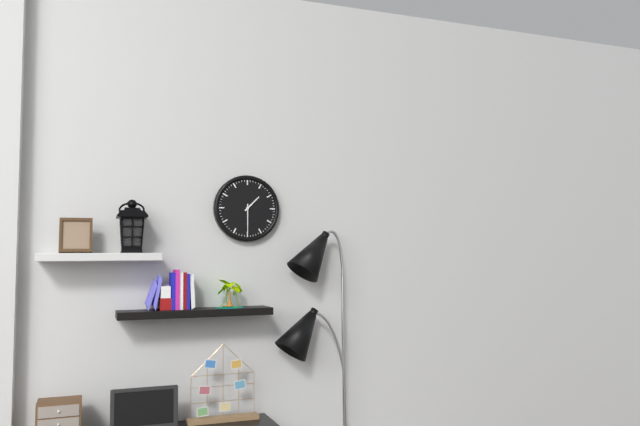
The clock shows h=1 m=30
